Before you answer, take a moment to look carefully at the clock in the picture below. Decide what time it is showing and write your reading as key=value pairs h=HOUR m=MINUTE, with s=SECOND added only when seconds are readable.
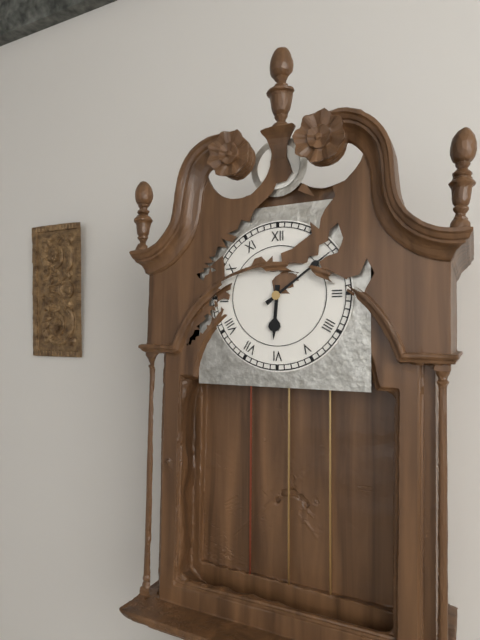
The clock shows h=6 m=9
